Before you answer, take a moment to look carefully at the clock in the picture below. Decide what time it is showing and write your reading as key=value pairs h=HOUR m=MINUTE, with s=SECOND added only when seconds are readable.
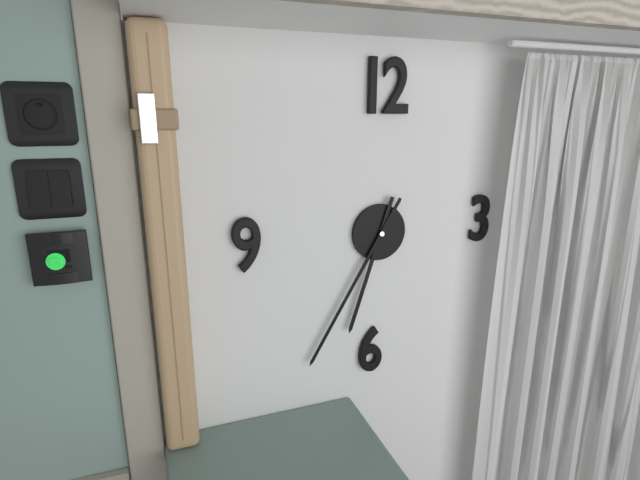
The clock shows h=6 m=35
